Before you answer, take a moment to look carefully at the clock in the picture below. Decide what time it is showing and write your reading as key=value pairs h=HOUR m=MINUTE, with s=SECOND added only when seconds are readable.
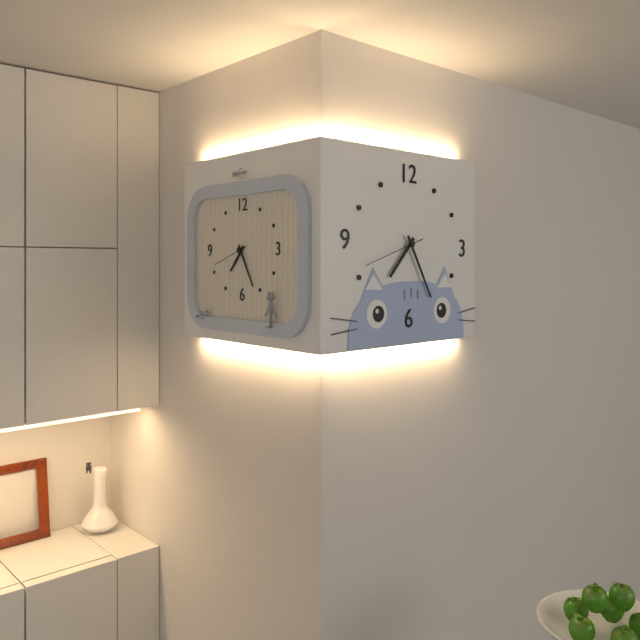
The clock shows h=7 m=25 s=42
